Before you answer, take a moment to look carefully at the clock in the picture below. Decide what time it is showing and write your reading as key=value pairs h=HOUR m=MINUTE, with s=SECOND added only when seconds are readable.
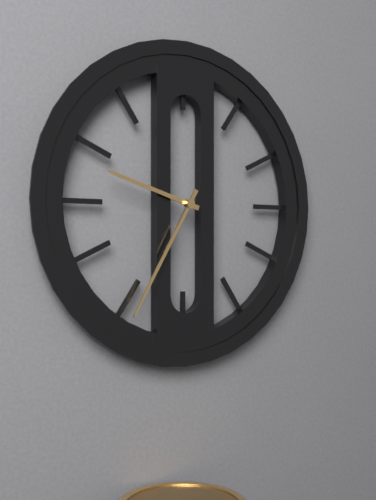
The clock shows h=9 m=35
